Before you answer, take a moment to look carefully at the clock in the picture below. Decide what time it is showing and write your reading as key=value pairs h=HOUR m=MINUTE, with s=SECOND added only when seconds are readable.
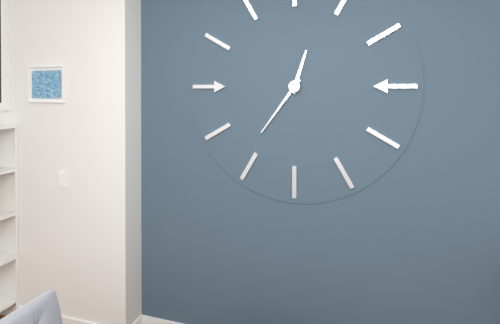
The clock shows h=12 m=36
